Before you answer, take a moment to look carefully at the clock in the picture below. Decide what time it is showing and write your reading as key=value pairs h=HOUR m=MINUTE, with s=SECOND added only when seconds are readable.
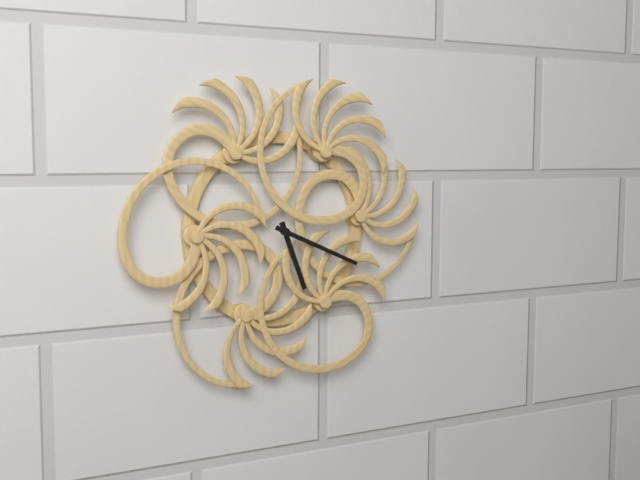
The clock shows h=5 m=19
